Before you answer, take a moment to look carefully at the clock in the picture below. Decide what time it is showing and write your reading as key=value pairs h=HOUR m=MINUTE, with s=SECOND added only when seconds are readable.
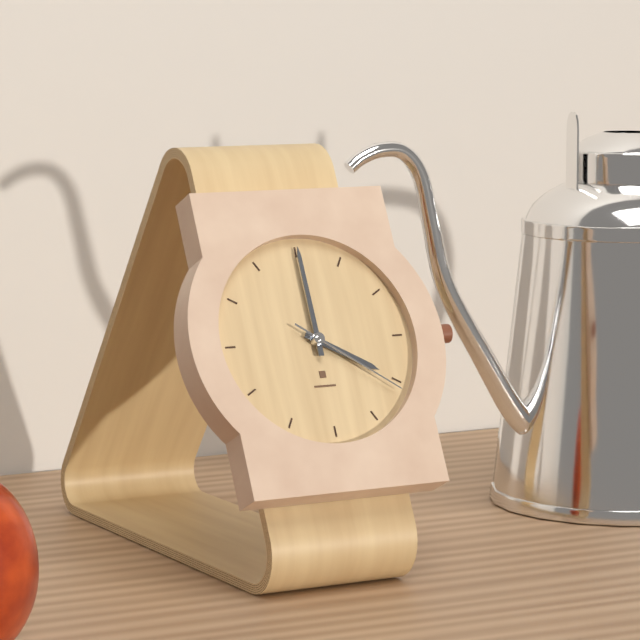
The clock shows h=4 m=0 s=21
